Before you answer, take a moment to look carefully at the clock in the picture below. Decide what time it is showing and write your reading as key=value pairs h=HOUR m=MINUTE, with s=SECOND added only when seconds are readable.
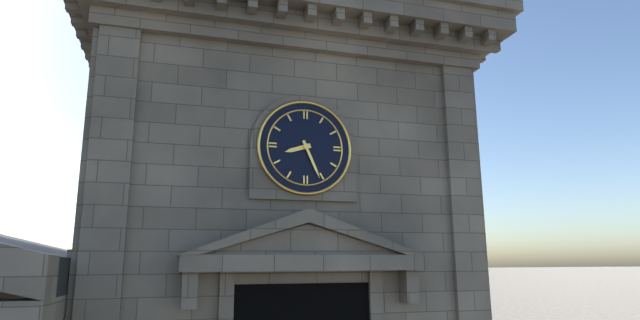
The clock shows h=8 m=26
